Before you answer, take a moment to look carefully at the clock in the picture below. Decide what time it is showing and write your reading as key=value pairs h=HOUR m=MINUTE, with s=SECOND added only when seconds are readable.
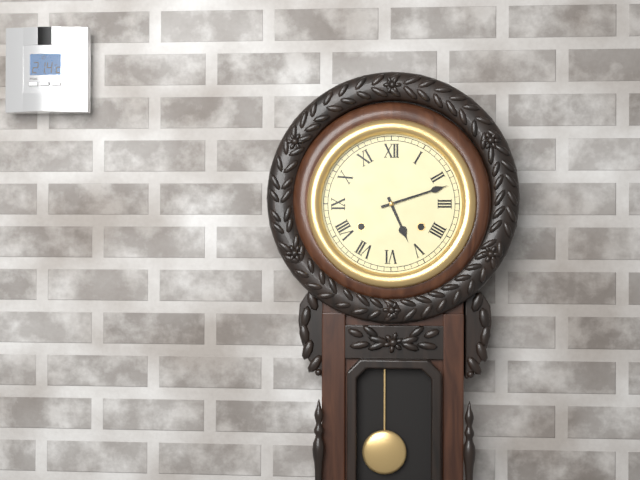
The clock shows h=5 m=12
